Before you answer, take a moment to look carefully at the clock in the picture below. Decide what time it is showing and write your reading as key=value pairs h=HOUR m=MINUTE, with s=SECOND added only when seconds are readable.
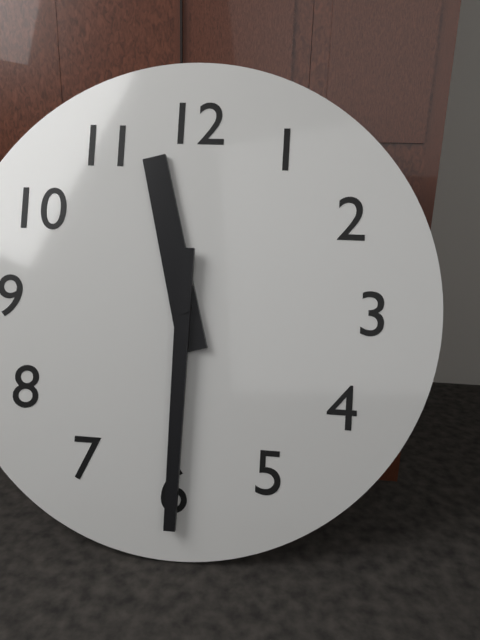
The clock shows h=11 m=30
